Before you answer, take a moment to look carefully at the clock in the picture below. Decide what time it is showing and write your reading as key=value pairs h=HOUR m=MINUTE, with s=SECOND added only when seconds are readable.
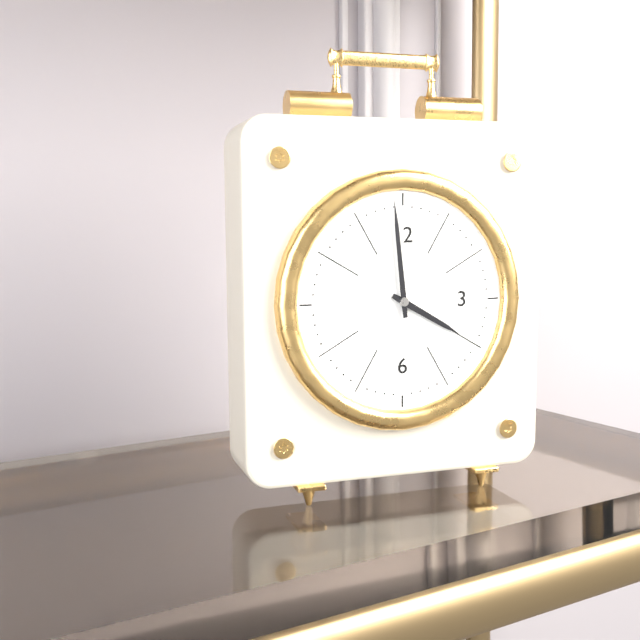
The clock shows h=3 m=59
